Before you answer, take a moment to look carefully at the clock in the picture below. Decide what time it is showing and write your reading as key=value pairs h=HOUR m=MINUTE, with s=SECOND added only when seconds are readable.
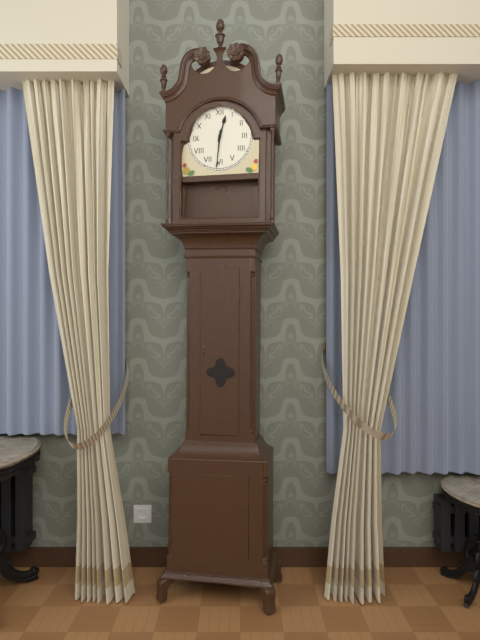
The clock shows h=12 m=31
